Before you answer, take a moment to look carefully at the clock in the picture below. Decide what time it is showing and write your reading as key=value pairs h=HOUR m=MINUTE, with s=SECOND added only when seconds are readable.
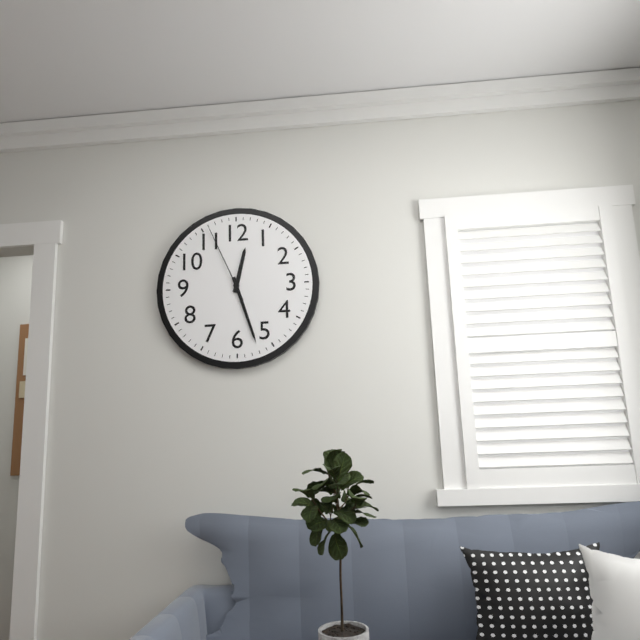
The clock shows h=12 m=27 s=56
